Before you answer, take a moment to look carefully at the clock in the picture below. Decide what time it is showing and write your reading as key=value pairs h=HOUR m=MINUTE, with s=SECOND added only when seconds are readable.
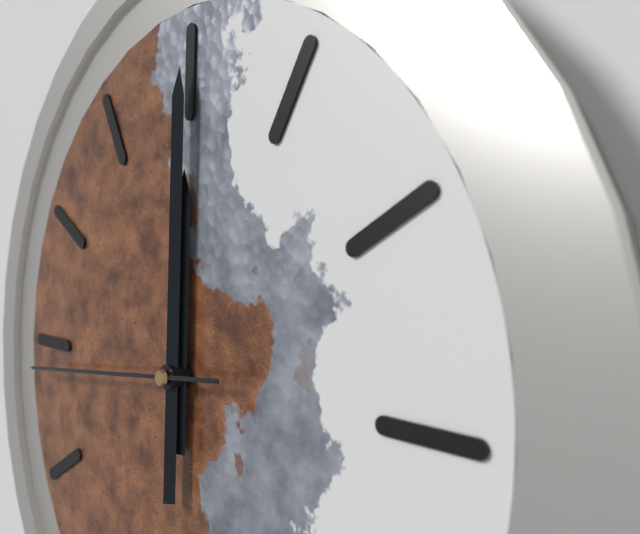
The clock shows h=12 m=0 s=44
